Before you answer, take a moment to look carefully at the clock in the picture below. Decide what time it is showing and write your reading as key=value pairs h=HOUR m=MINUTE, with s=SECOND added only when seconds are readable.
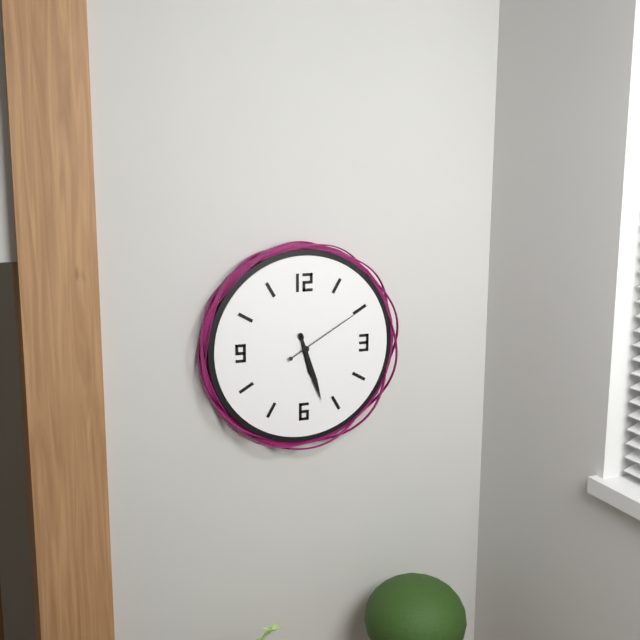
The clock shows h=5 m=27 s=10
